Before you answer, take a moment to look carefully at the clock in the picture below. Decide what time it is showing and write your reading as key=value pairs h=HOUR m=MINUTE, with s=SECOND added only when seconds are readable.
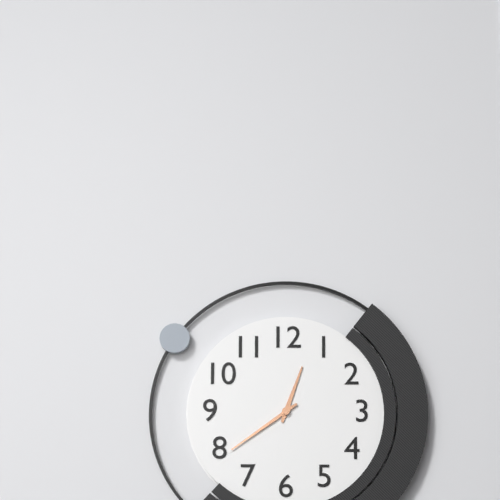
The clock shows h=12 m=39
